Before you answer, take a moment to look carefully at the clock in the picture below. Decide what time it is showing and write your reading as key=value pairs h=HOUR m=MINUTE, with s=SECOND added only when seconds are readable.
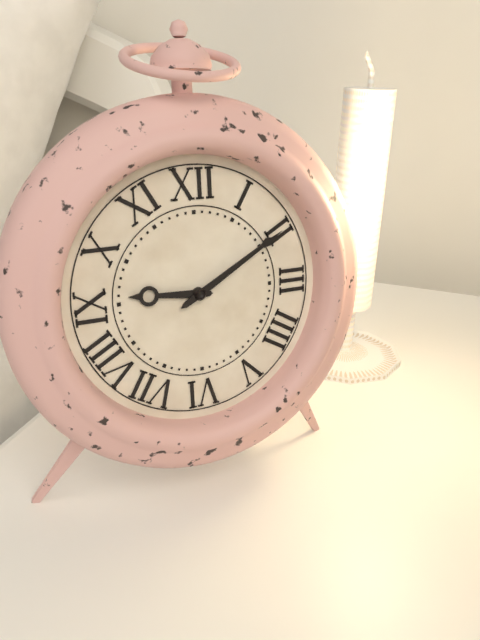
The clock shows h=9 m=10
